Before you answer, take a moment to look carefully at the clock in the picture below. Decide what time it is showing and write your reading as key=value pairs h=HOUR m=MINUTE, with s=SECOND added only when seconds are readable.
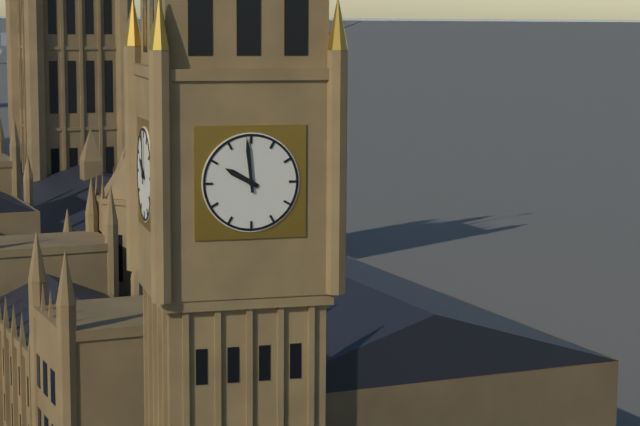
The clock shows h=9 m=59
